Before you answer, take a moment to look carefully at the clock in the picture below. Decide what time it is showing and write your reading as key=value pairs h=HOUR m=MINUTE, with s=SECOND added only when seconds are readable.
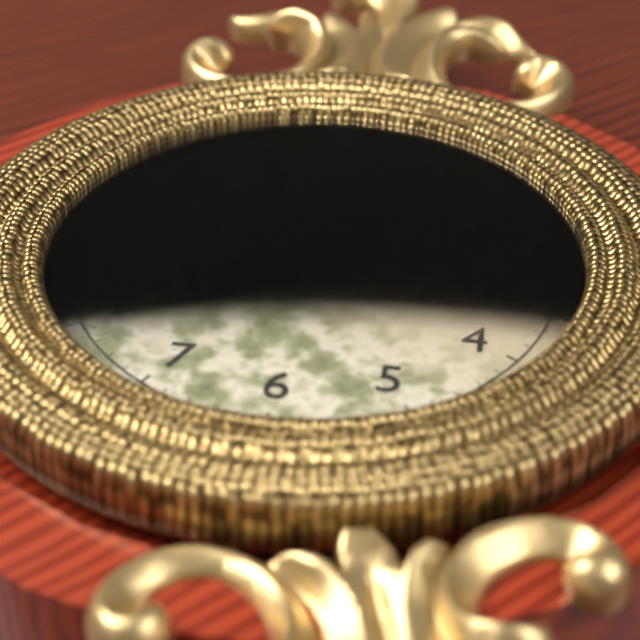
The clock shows h=12 m=39 s=9
